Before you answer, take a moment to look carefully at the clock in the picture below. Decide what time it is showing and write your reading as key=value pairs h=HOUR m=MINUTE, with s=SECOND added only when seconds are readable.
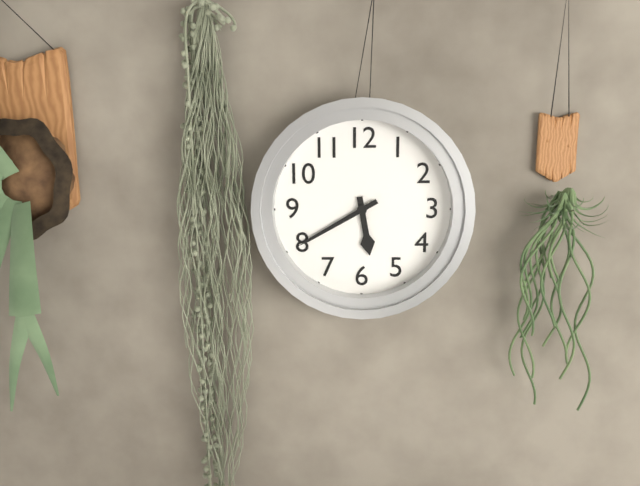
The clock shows h=5 m=40
